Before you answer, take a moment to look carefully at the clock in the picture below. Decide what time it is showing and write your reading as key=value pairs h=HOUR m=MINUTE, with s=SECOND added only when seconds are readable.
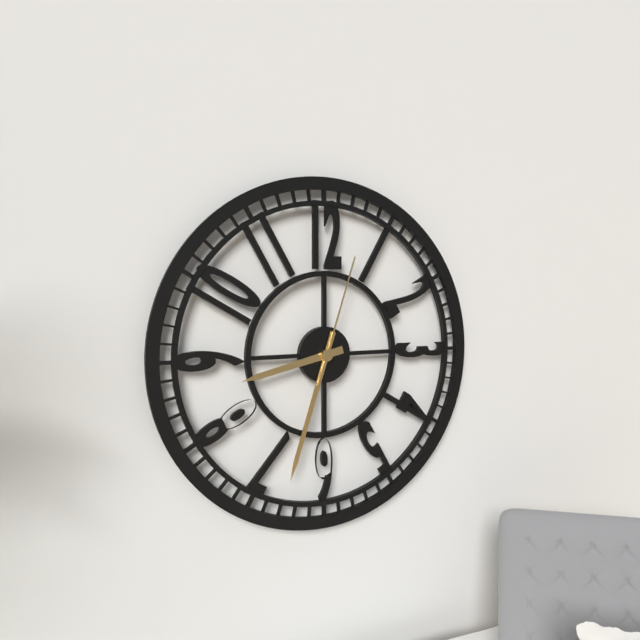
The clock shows h=8 m=33 s=3
